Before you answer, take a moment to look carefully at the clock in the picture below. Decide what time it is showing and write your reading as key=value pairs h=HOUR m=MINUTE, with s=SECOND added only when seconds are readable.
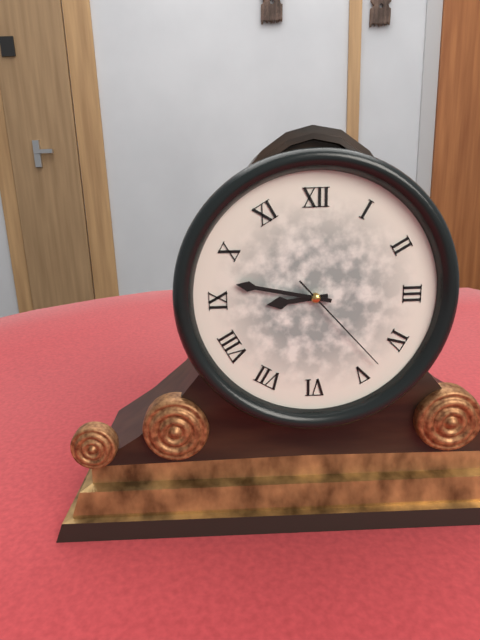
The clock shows h=8 m=47 s=23
